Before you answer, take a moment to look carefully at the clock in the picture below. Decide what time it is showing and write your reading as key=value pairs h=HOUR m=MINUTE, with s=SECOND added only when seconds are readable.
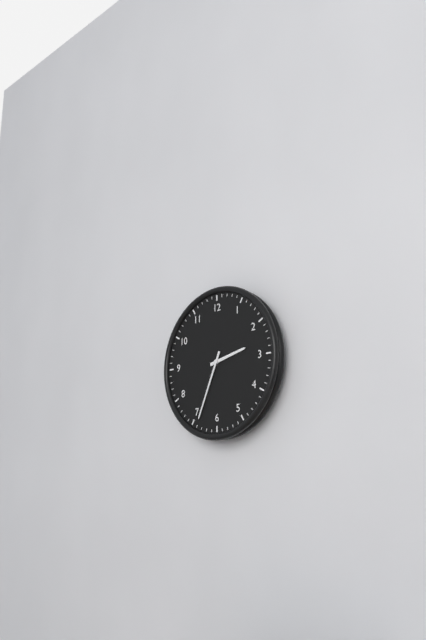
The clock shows h=2 m=34
